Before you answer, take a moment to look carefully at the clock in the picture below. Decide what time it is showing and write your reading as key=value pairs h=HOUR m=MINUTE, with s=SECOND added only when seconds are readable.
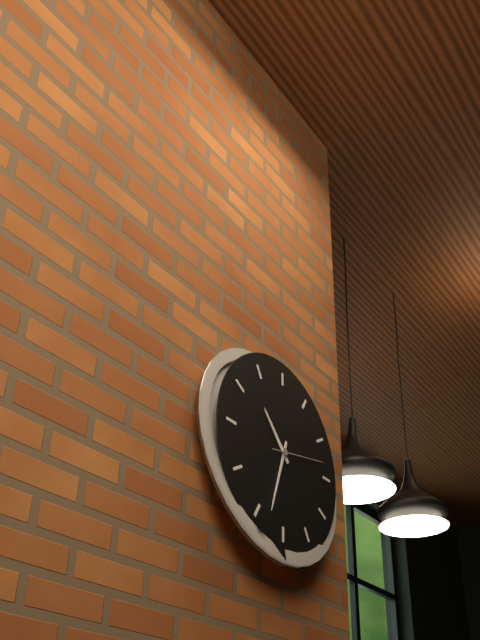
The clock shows h=10 m=33 s=13
